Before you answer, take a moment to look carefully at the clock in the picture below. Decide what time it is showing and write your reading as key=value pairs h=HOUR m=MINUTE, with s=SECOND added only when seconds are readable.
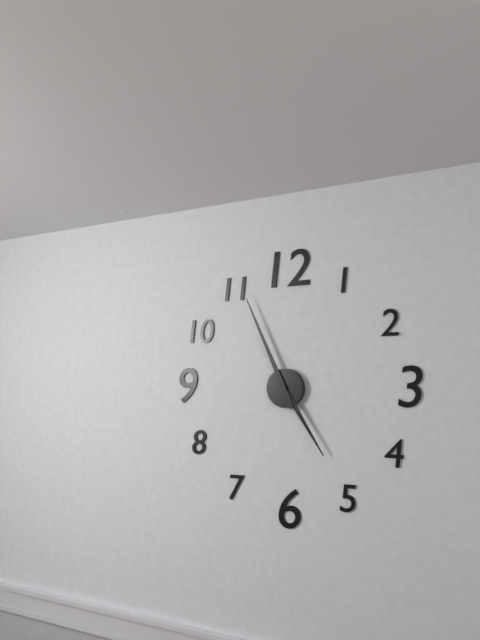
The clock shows h=4 m=56
